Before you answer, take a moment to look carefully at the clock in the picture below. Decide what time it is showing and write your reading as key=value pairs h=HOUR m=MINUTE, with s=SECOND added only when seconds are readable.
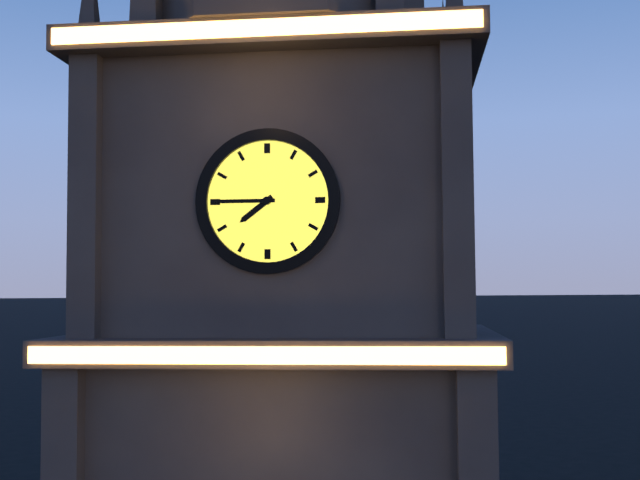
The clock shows h=7 m=45
